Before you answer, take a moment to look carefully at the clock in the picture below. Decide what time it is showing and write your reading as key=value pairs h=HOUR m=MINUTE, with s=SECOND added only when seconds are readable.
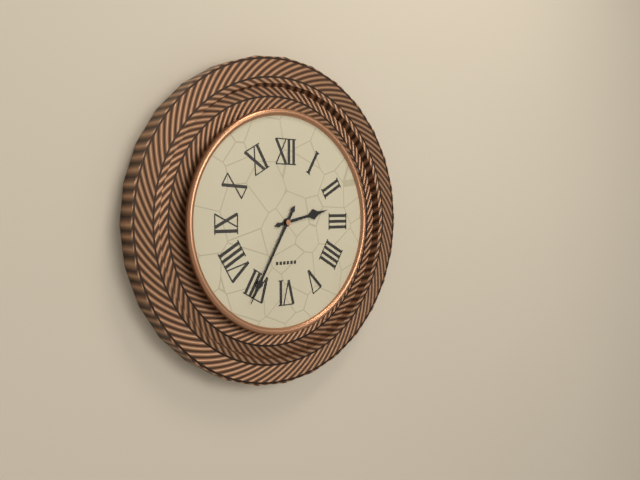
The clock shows h=2 m=35
